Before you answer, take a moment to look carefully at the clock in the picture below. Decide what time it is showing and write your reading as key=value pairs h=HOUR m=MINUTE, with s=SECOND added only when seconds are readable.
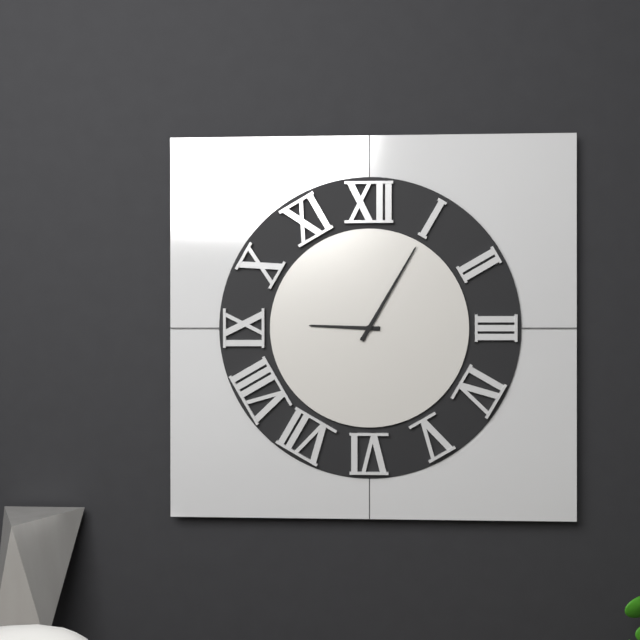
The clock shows h=9 m=5
